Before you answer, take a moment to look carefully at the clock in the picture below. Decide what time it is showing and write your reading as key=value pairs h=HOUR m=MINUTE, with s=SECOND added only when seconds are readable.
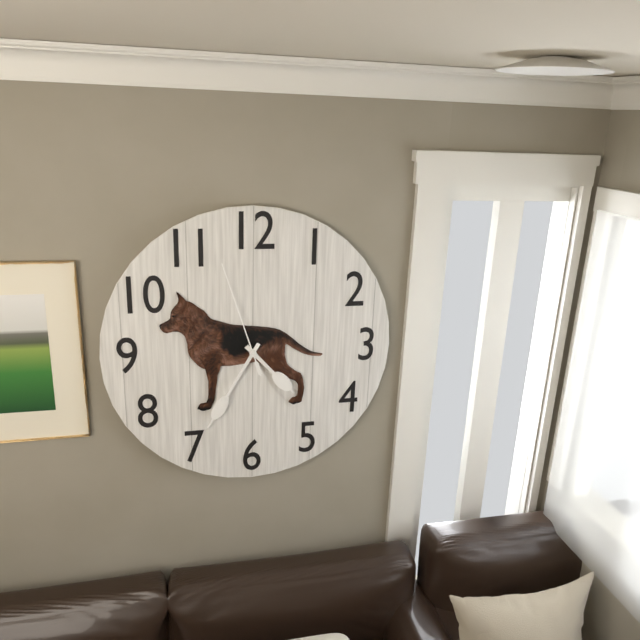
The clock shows h=4 m=35 s=57
